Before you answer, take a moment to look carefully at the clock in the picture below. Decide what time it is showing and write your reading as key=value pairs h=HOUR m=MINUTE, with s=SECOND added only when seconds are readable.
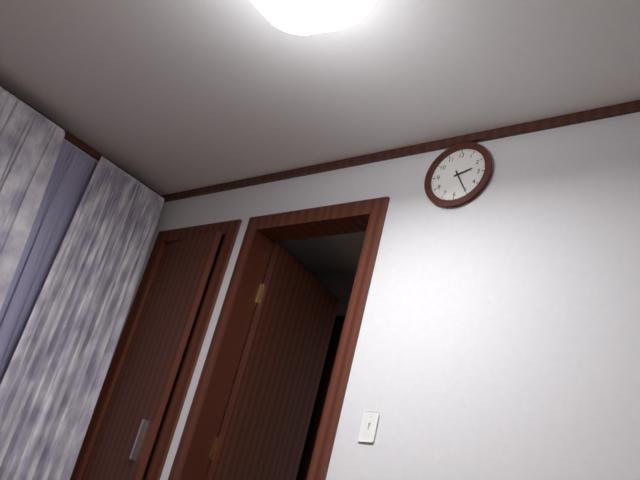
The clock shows h=2 m=25
